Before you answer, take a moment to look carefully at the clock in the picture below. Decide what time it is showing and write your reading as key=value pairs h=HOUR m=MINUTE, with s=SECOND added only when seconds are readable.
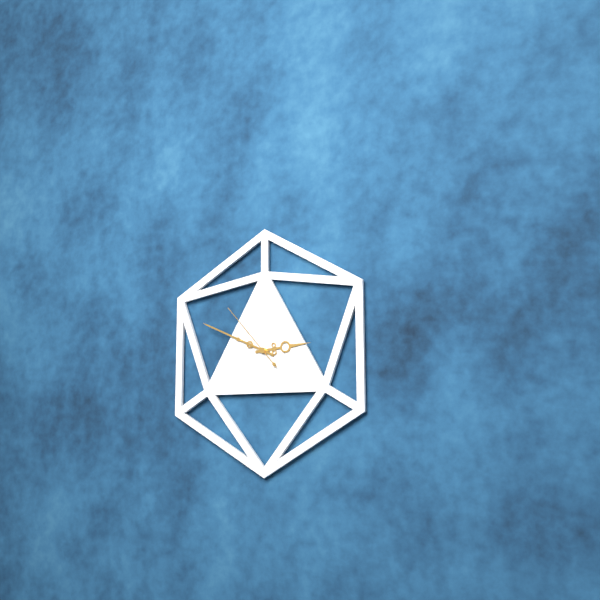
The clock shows h=2 m=49 s=53
